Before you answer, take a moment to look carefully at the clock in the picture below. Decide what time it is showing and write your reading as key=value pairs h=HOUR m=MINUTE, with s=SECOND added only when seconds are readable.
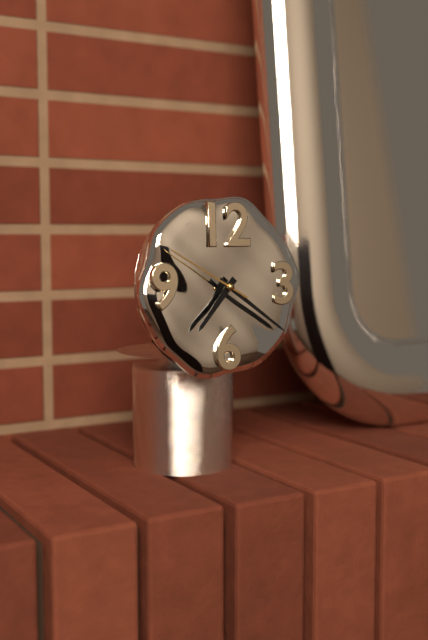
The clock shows h=7 m=21 s=50
